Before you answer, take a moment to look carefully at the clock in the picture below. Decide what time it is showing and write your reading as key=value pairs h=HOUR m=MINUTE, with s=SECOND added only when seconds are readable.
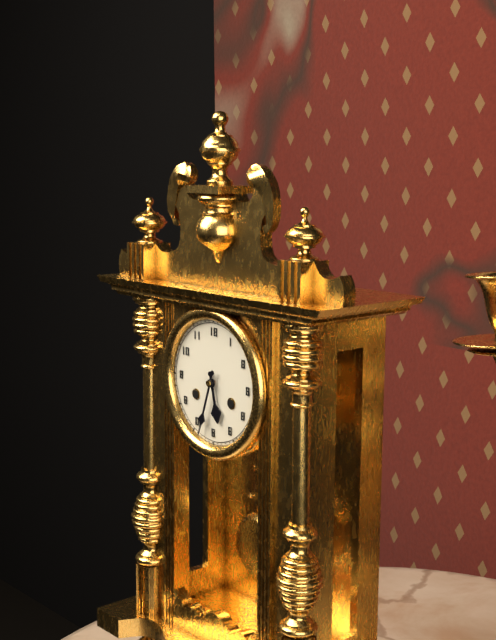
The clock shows h=5 m=33
